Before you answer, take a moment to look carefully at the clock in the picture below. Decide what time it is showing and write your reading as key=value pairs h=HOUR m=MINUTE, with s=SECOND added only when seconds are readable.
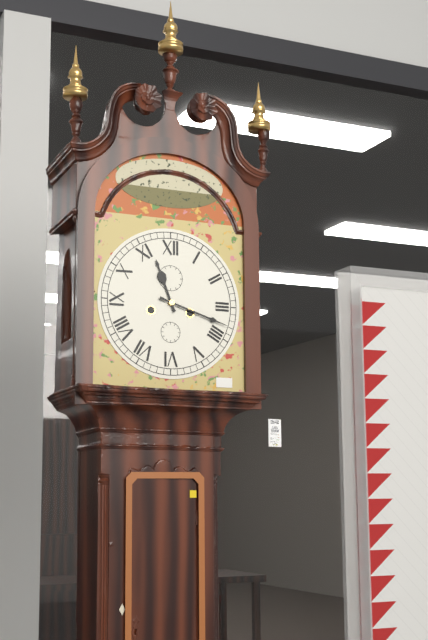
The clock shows h=11 m=18
